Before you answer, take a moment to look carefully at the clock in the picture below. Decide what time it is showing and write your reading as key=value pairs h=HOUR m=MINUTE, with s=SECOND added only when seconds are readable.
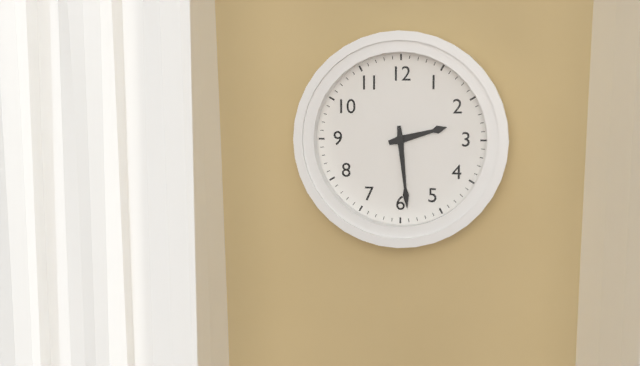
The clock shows h=2 m=29
